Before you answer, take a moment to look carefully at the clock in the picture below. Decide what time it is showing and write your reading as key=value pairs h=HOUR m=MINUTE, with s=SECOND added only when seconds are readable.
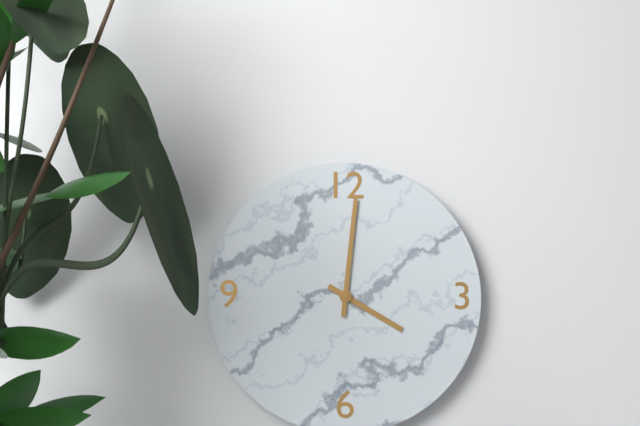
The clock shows h=4 m=1
